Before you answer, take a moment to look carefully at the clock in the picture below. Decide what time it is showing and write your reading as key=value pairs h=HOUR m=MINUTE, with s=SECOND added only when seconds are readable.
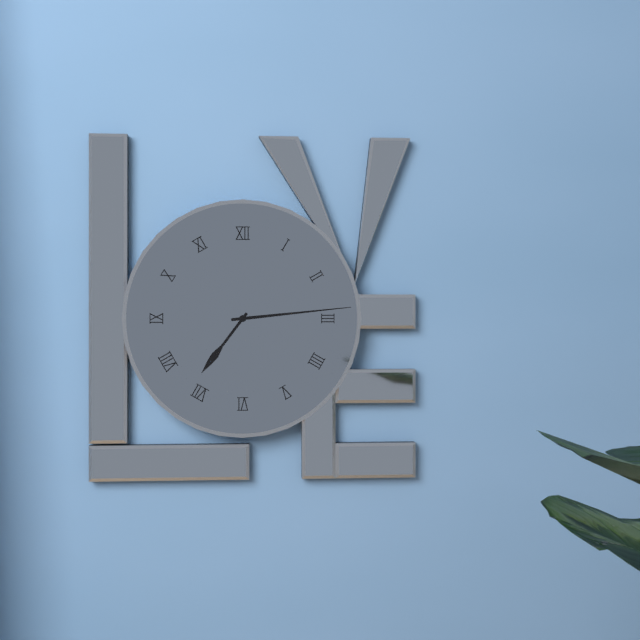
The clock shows h=7 m=14
